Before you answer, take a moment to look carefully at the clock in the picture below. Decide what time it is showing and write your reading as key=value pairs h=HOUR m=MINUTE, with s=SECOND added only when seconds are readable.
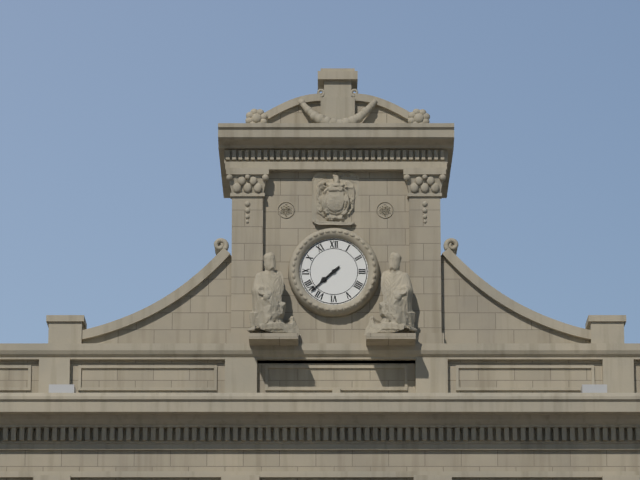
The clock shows h=7 m=38
